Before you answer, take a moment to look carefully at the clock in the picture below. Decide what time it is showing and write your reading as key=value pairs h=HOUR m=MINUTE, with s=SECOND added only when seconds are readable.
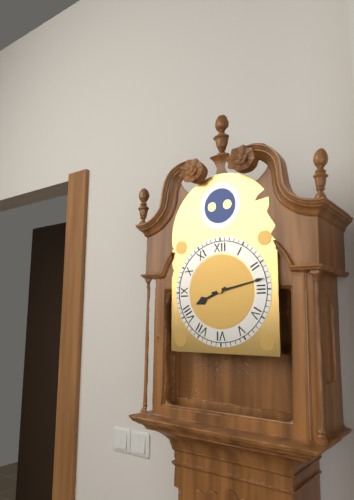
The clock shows h=8 m=13
